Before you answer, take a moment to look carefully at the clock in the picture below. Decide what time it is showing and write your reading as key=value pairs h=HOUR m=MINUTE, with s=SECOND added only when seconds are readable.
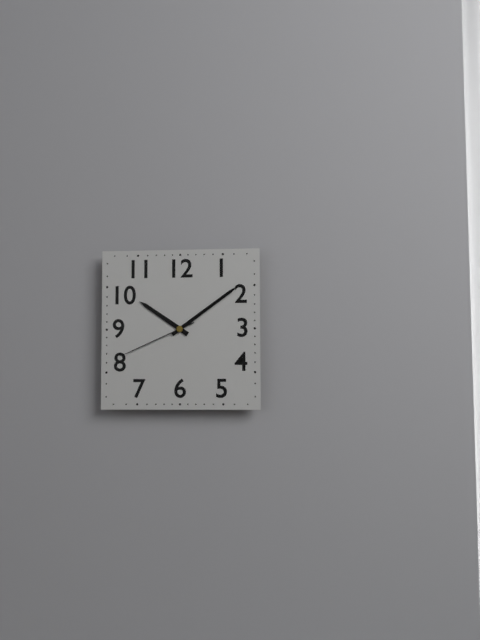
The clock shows h=10 m=9 s=41
